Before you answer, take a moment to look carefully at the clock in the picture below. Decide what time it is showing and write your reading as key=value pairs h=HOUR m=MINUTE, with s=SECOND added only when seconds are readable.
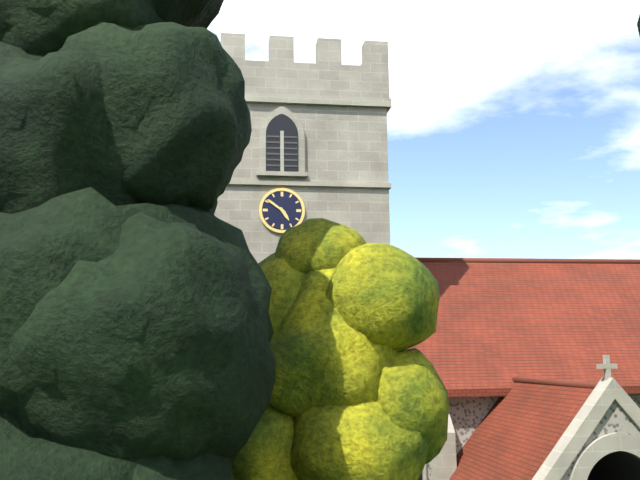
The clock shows h=4 m=51
